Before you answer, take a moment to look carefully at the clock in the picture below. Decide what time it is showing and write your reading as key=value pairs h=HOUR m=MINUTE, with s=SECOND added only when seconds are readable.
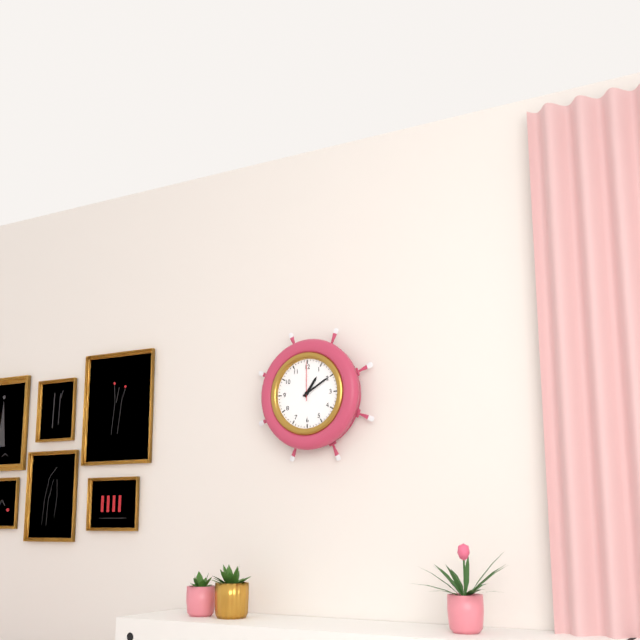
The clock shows h=1 m=10
